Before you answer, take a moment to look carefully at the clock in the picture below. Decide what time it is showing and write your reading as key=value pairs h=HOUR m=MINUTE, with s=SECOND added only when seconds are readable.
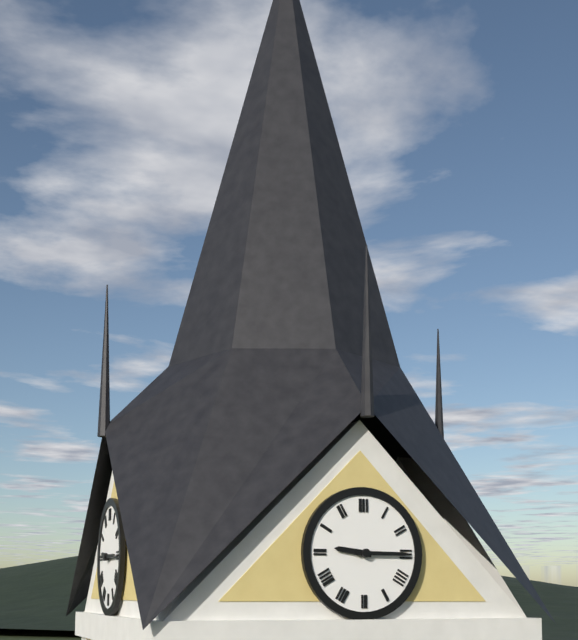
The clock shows h=9 m=15
